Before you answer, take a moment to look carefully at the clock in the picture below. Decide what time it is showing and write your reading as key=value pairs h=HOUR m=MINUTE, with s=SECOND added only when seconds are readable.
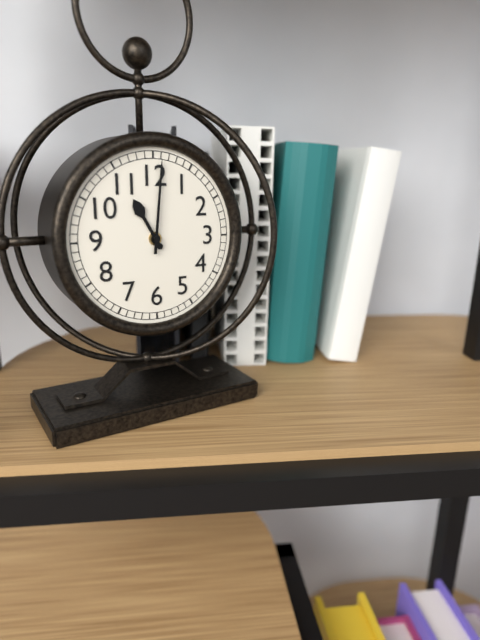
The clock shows h=11 m=1
